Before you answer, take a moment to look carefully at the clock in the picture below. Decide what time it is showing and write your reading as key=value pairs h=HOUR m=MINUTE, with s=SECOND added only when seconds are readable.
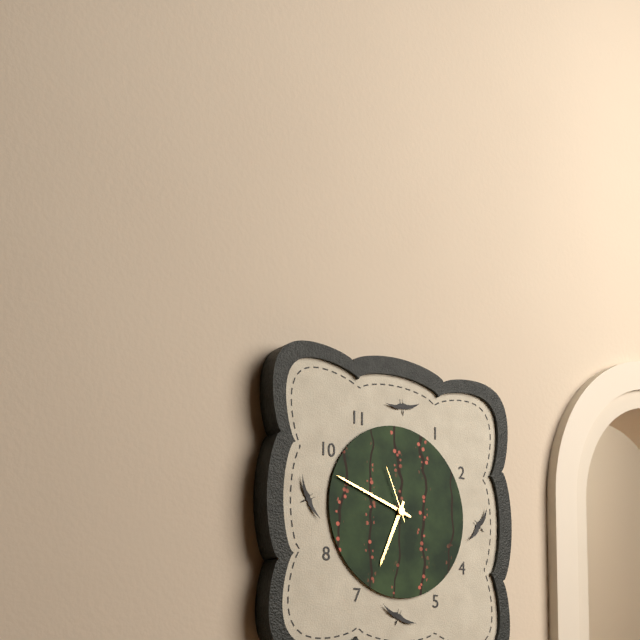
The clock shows h=6 m=48 s=56
